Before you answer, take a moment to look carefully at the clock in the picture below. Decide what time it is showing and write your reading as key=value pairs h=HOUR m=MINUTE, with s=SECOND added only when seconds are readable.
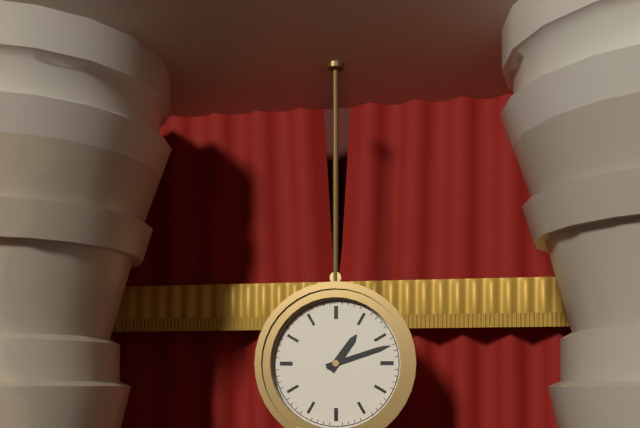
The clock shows h=1 m=12
